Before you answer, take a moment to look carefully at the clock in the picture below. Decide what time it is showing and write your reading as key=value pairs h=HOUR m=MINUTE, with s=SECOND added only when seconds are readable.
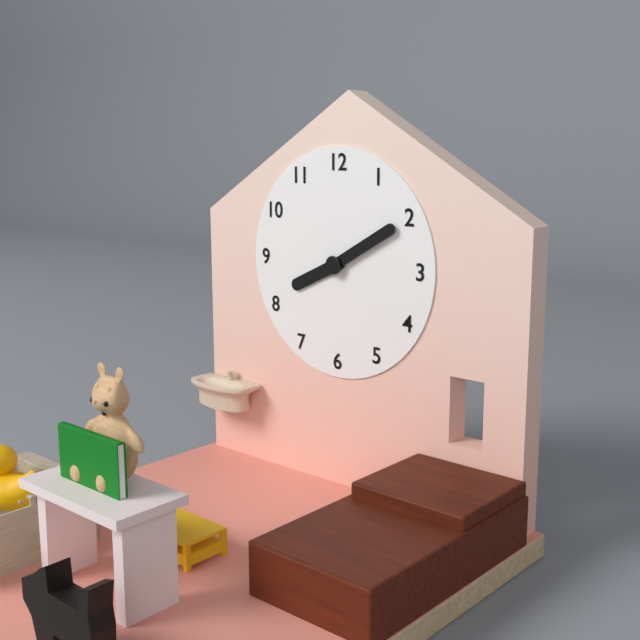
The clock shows h=8 m=10
